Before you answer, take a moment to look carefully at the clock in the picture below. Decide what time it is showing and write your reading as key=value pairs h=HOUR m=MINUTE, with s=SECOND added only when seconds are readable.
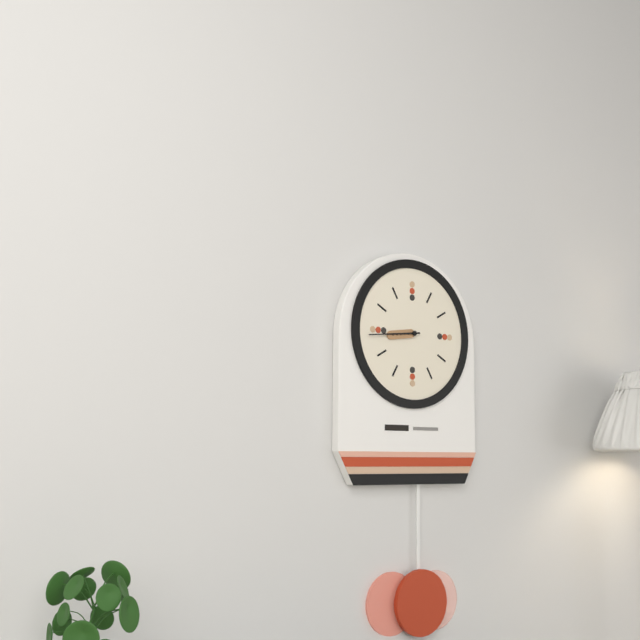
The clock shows h=8 m=44
